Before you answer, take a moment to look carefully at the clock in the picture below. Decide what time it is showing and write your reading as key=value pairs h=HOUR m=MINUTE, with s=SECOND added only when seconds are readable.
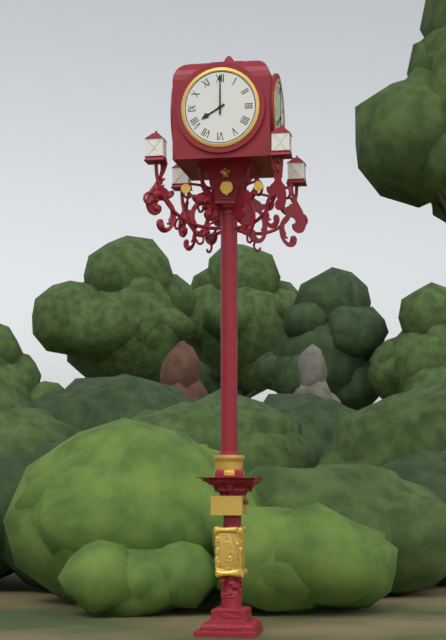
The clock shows h=8 m=0
